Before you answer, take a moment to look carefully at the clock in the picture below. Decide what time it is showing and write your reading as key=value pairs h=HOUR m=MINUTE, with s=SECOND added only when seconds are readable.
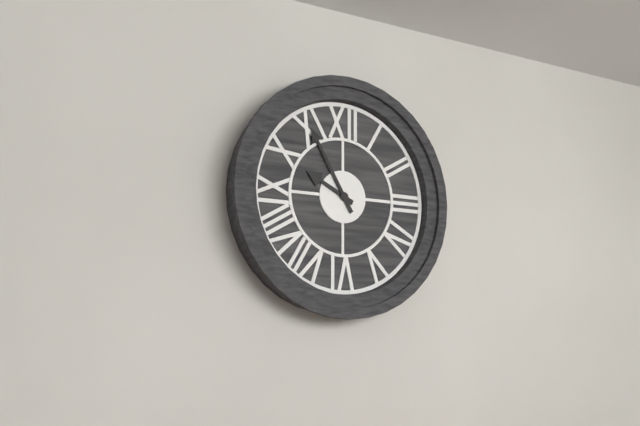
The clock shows h=9 m=55
